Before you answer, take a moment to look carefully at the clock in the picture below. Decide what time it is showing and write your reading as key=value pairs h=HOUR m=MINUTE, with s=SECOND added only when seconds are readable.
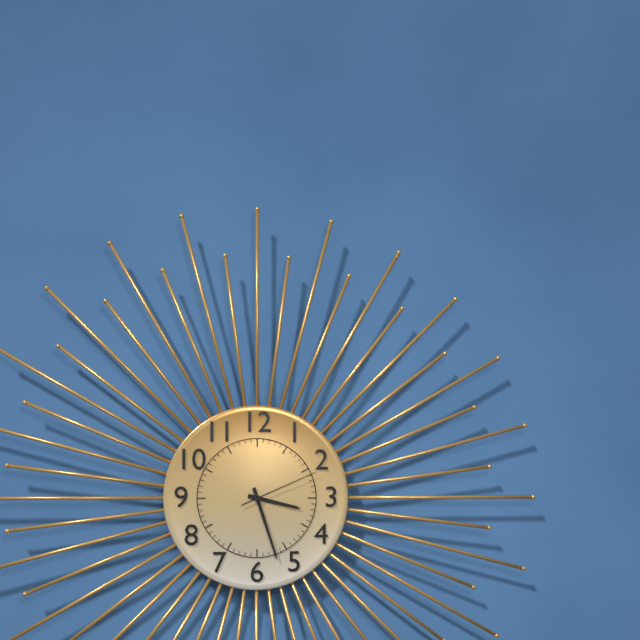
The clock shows h=3 m=27 s=11
